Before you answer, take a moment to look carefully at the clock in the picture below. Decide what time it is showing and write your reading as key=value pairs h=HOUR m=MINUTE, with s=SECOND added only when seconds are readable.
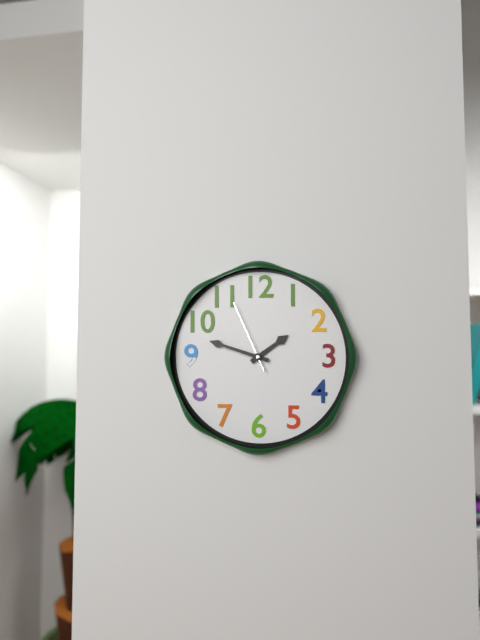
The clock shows h=1 m=48 s=56
